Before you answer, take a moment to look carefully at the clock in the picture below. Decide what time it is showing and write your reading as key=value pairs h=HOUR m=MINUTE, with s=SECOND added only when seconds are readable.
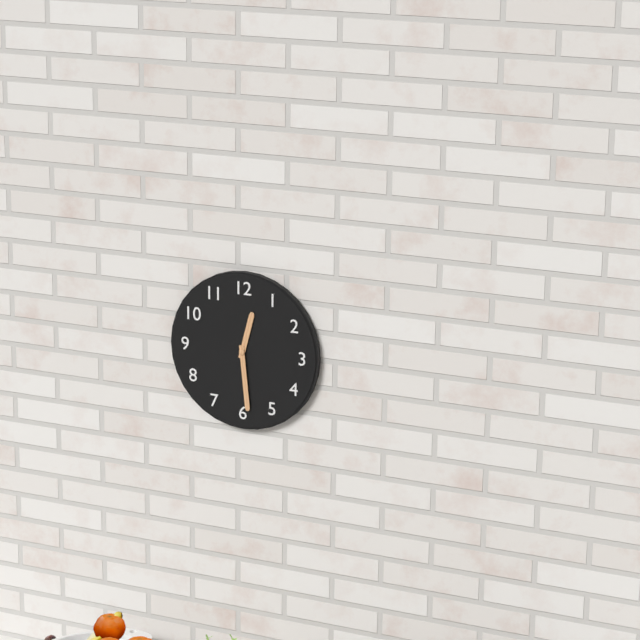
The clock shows h=12 m=29
